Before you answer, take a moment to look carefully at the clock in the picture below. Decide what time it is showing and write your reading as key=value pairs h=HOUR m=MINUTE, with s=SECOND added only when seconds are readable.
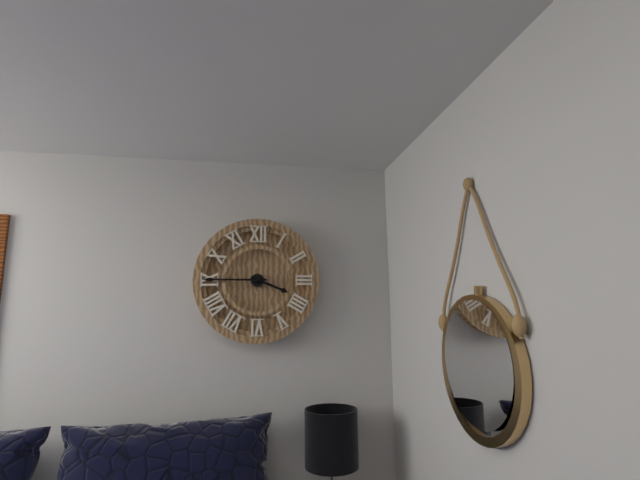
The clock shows h=3 m=45
